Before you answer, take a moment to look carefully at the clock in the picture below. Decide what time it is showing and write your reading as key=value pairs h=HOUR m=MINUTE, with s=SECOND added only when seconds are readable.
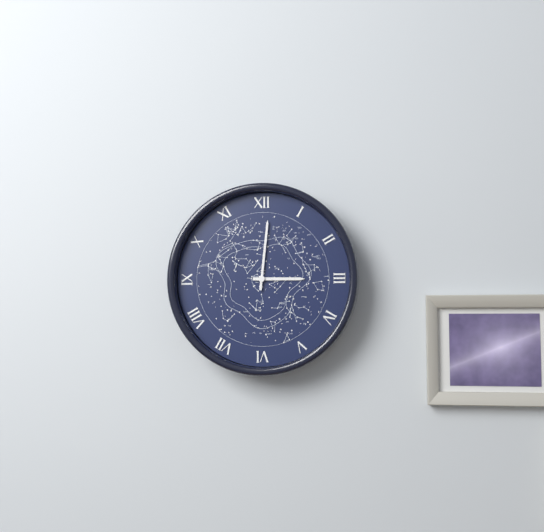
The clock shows h=3 m=1
